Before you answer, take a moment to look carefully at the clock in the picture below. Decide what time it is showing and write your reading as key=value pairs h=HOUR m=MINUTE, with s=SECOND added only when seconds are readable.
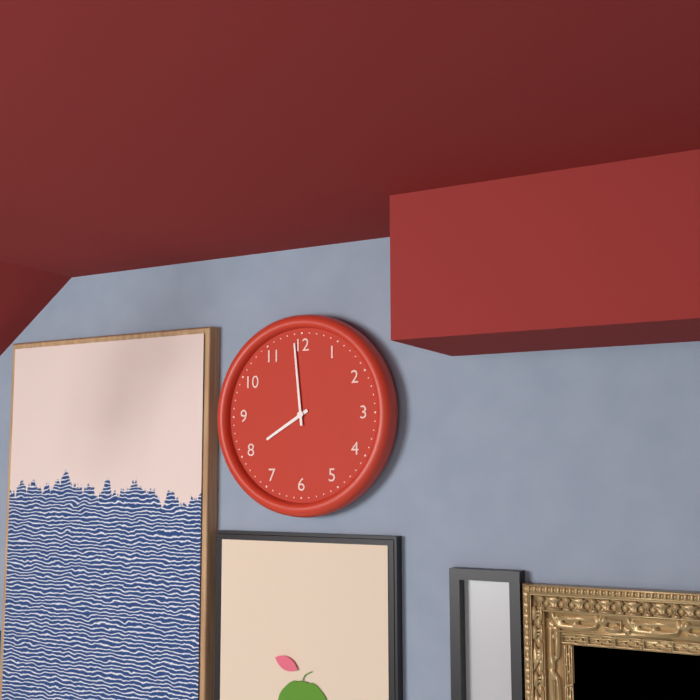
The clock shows h=7 m=59
